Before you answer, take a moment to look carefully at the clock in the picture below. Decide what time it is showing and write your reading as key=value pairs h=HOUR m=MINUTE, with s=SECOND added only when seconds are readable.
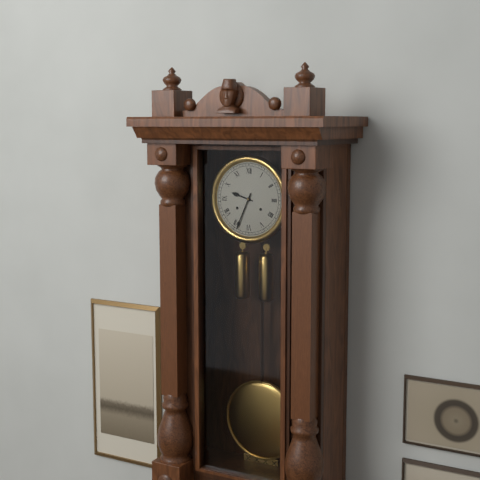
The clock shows h=9 m=34
